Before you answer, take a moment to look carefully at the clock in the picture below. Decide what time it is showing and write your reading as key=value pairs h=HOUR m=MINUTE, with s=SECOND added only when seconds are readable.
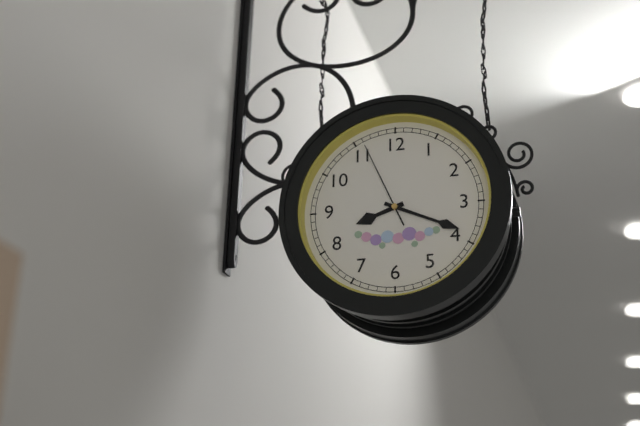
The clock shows h=8 m=19 s=56
